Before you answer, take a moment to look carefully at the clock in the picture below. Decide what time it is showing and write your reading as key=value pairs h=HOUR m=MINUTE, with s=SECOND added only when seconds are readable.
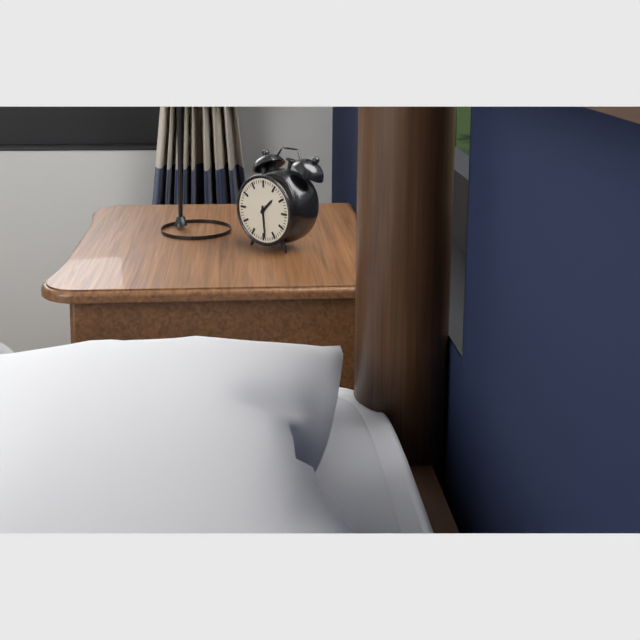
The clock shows h=1 m=29
